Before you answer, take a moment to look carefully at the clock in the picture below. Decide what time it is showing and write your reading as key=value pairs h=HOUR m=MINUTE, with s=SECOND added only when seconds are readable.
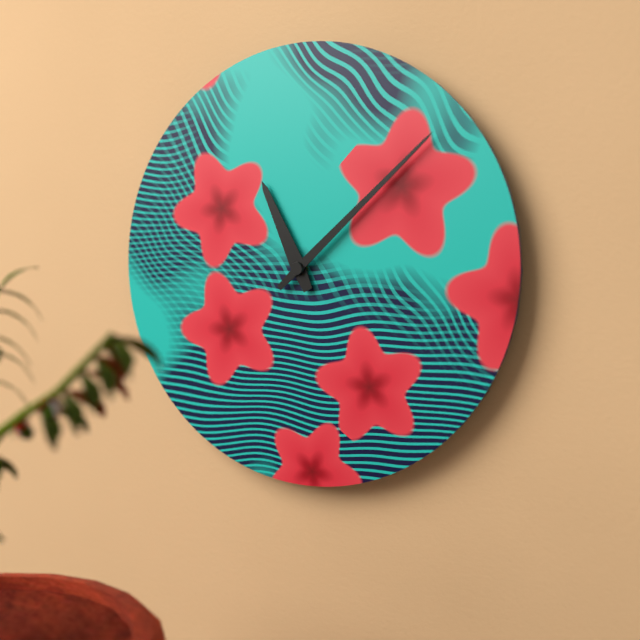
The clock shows h=11 m=8
